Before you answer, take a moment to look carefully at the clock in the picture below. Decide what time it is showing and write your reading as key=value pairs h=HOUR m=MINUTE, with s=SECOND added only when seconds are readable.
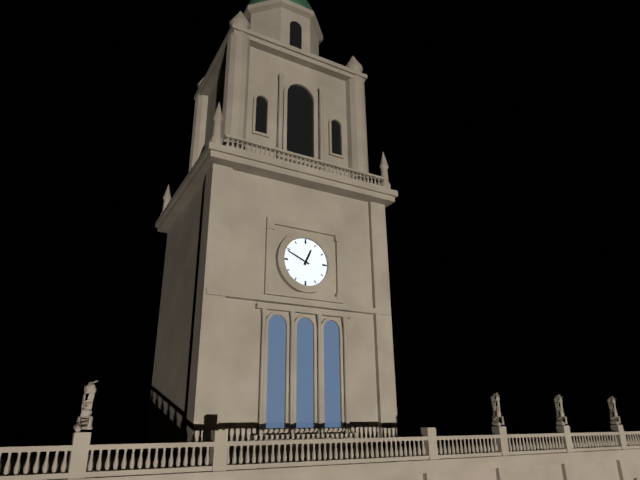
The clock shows h=12 m=49
